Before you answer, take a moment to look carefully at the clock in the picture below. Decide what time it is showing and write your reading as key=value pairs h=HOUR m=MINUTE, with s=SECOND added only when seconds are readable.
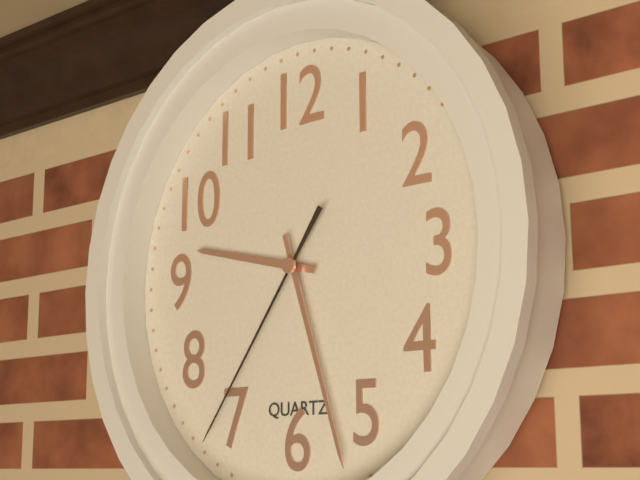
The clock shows h=9 m=27 s=36
